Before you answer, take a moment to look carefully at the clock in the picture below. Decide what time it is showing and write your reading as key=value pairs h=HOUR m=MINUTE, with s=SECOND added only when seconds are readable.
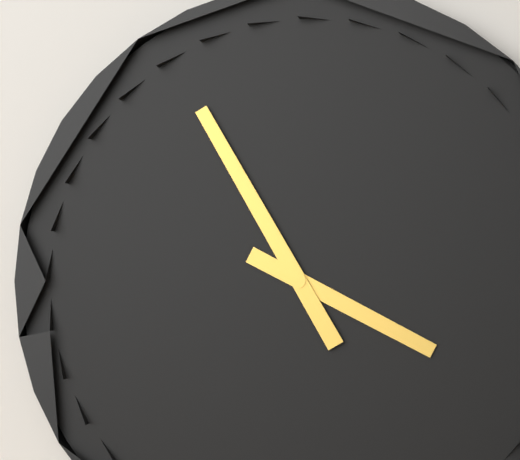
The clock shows h=3 m=55
